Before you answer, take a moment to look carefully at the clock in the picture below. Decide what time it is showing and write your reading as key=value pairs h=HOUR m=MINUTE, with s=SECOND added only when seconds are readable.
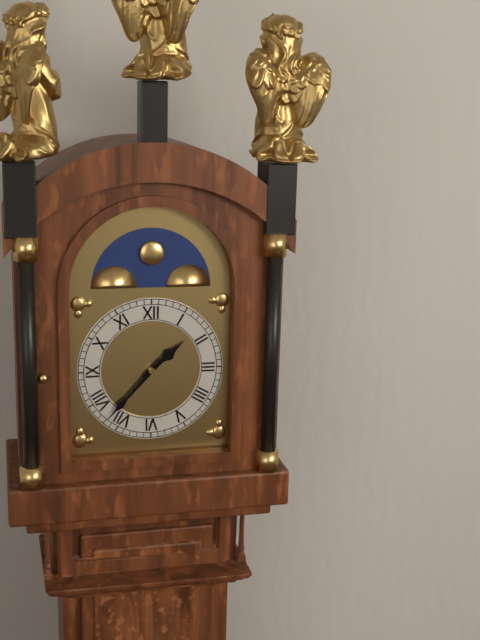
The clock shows h=1 m=37
